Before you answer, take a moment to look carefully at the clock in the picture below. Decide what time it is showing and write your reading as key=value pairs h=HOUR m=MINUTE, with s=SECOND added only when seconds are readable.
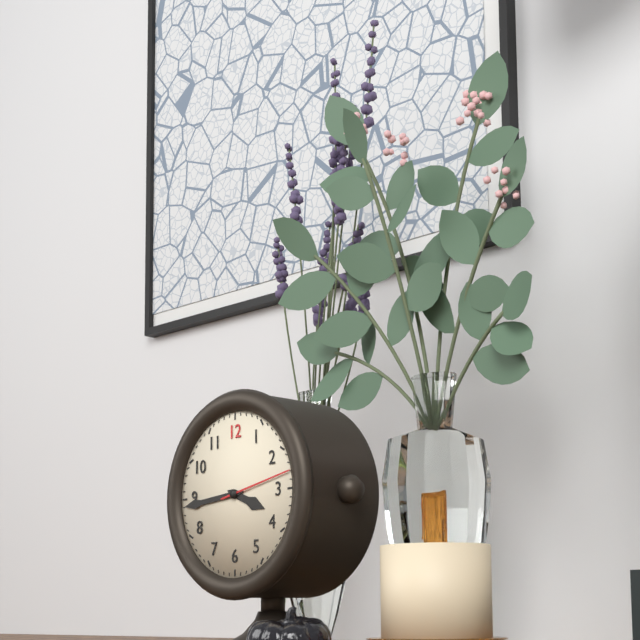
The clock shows h=3 m=44 s=13
